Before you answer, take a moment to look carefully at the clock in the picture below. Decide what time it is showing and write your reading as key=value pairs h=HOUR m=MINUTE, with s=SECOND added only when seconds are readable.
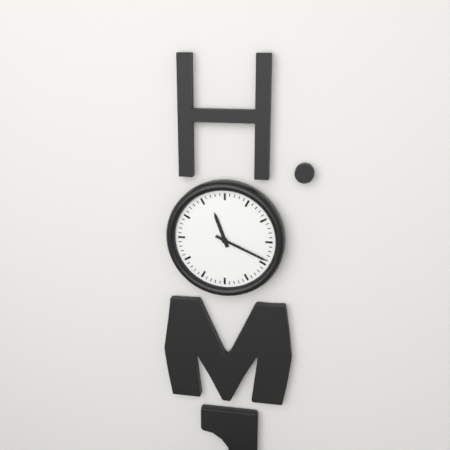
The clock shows h=11 m=19
